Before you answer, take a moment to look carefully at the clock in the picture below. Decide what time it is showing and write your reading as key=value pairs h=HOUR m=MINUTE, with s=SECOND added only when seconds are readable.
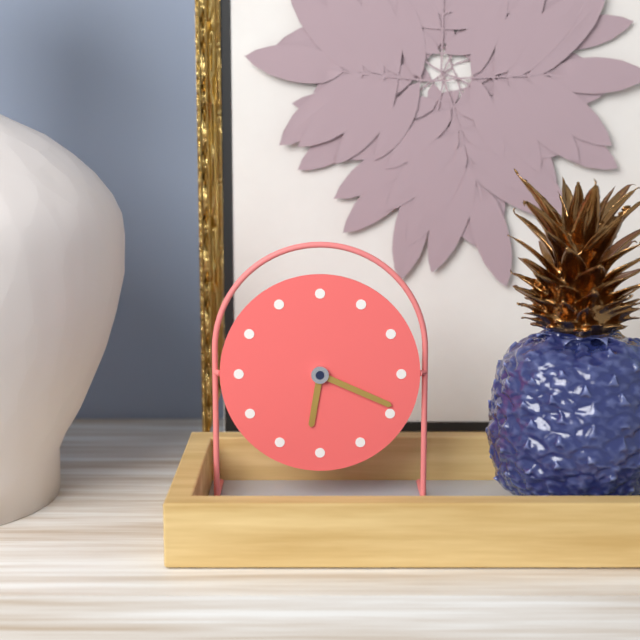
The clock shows h=6 m=19
